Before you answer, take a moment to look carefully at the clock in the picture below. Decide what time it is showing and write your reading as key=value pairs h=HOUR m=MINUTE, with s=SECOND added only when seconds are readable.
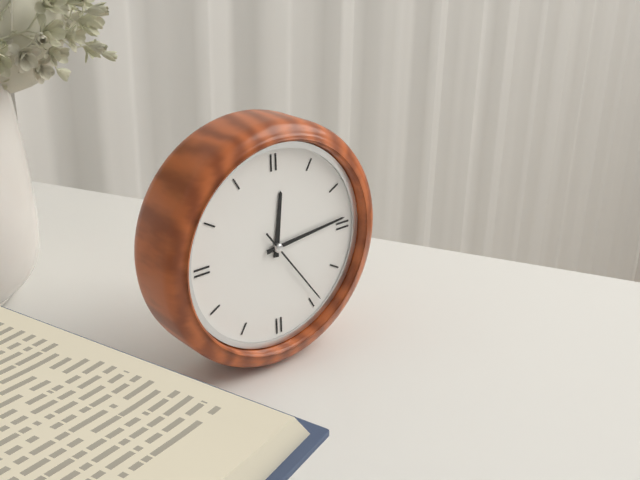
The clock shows h=12 m=14 s=24
